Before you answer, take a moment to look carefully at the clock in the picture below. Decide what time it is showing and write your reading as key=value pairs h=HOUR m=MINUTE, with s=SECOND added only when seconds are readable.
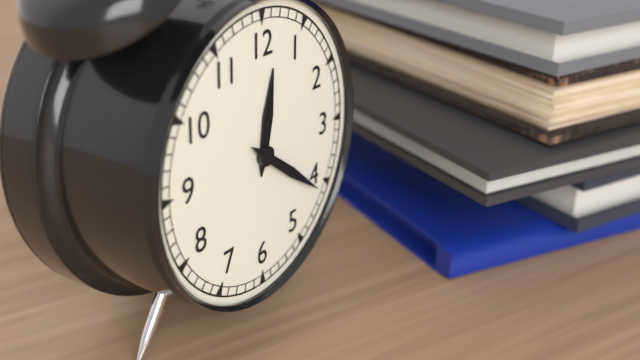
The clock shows h=12 m=21
